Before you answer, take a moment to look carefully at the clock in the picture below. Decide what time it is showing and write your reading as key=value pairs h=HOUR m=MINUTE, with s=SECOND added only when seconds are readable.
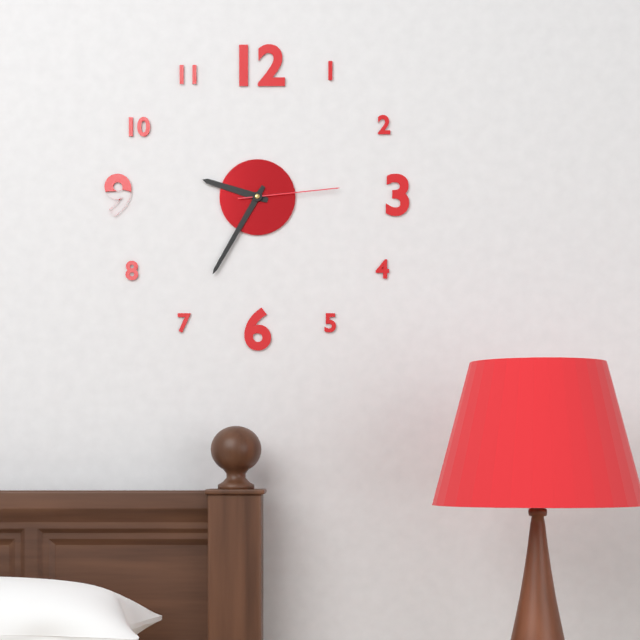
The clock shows h=9 m=35 s=14
